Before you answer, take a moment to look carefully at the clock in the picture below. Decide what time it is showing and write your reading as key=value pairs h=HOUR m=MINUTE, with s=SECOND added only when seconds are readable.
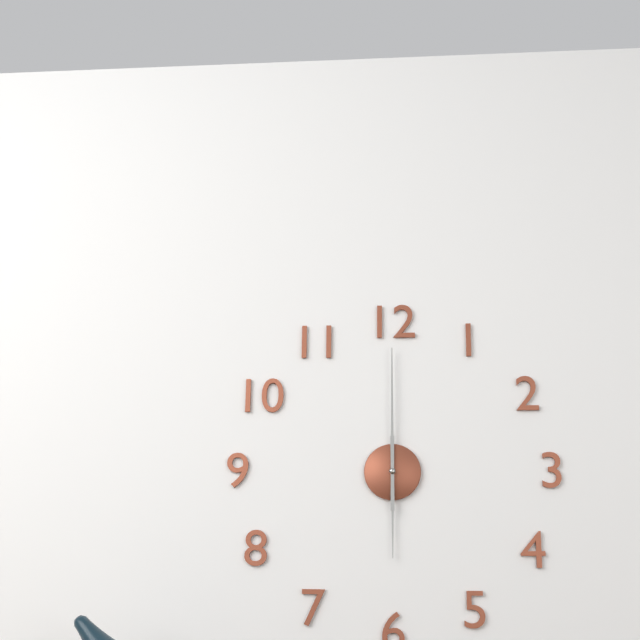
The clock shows h=6 m=0
